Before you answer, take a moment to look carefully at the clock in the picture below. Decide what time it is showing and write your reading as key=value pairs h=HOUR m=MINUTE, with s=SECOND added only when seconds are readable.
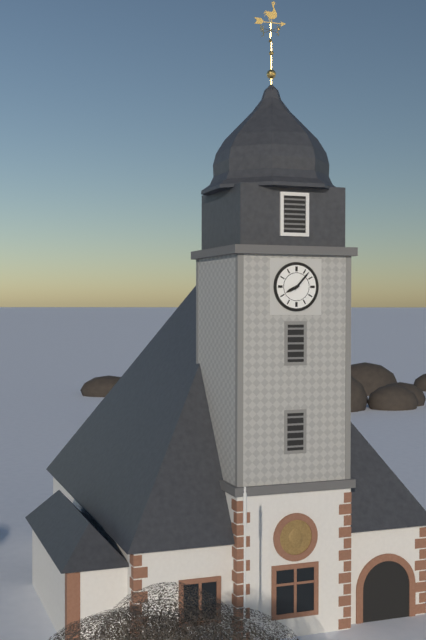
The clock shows h=8 m=7
